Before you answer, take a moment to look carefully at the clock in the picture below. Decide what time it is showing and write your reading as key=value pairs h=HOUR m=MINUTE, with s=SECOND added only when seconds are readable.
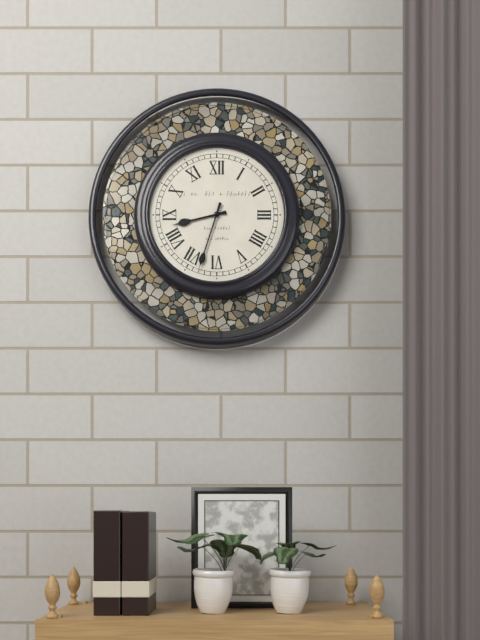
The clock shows h=8 m=33
